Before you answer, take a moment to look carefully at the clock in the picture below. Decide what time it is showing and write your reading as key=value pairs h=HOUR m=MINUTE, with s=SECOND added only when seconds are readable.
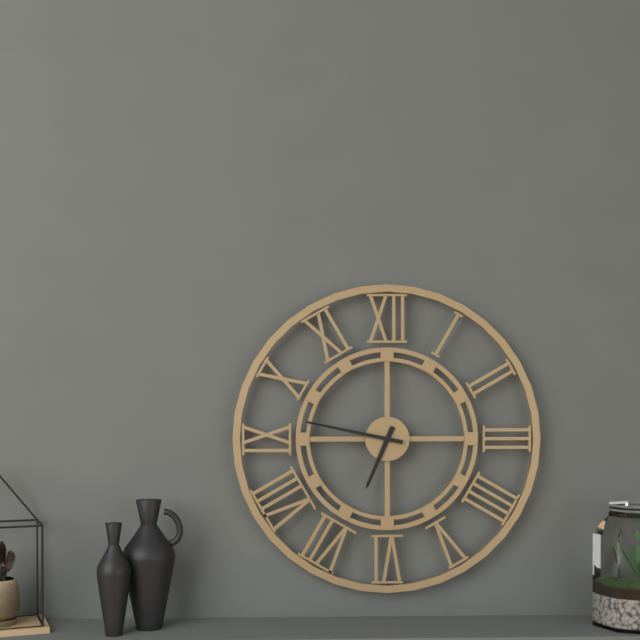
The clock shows h=6 m=47
